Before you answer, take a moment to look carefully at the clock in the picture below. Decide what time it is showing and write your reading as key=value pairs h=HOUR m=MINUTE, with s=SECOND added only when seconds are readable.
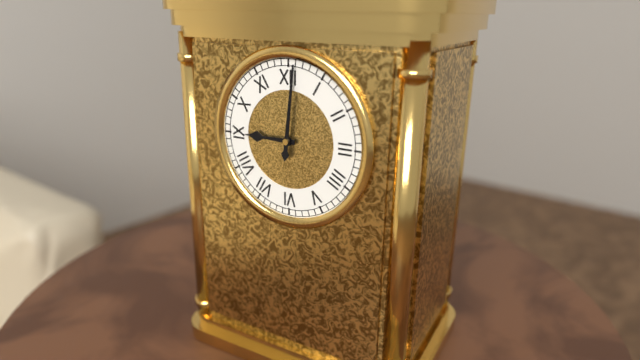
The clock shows h=9 m=1
